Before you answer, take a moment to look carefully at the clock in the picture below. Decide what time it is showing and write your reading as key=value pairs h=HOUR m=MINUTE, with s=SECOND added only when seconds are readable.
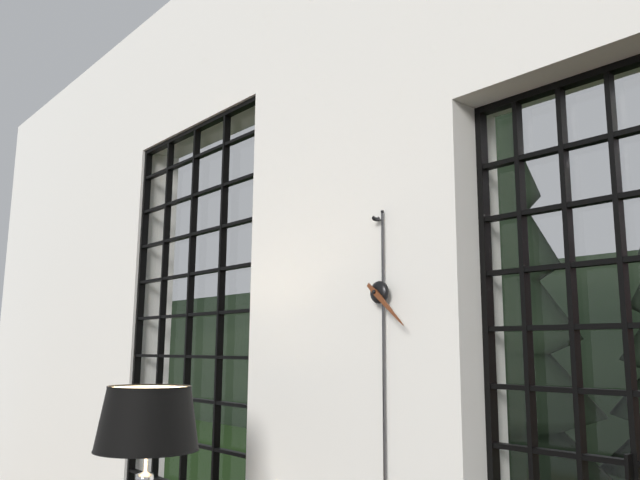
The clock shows h=4 m=22
